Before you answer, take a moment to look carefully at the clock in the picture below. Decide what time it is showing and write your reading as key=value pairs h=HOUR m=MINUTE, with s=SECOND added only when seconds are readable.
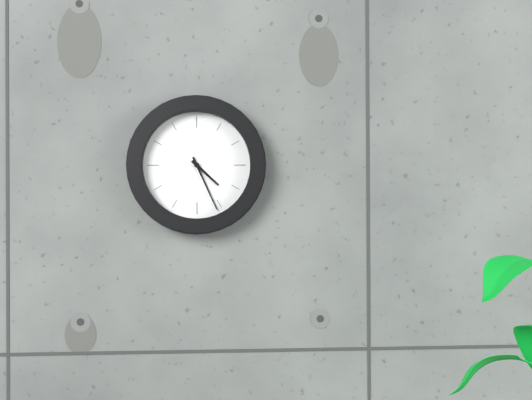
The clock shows h=4 m=26
